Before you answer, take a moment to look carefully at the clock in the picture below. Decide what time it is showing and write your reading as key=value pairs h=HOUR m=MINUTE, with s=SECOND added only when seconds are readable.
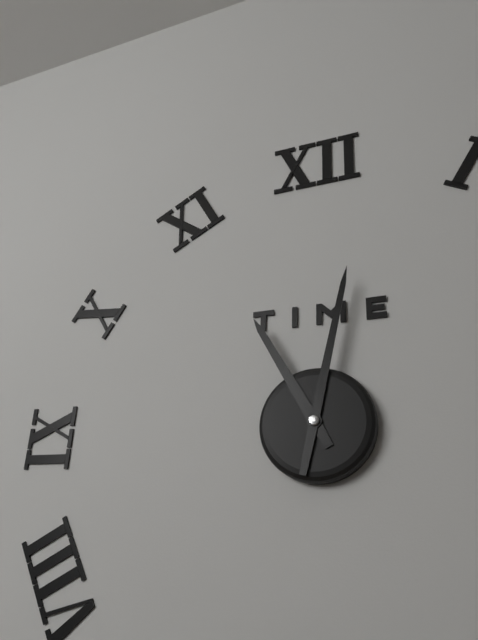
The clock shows h=11 m=2
